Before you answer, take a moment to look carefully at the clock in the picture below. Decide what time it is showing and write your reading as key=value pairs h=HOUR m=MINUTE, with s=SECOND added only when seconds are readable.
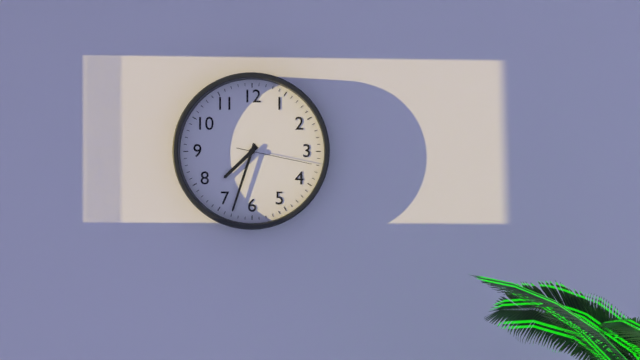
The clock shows h=7 m=33 s=17
